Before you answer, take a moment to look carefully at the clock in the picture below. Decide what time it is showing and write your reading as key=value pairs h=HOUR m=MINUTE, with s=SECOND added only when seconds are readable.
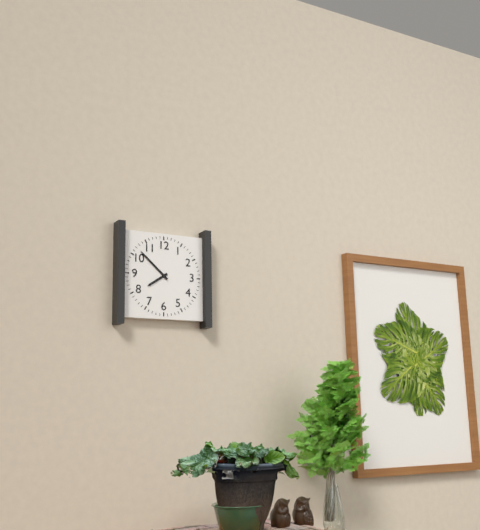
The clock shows h=7 m=52
